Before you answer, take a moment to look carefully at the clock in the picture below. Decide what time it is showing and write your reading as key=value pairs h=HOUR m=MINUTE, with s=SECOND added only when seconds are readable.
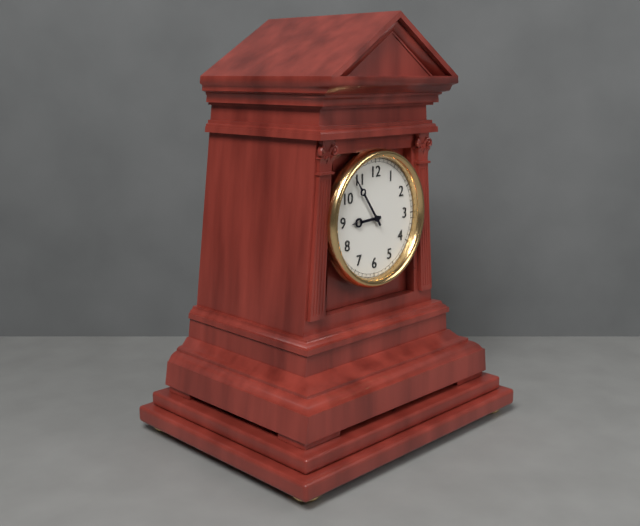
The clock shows h=8 m=54
